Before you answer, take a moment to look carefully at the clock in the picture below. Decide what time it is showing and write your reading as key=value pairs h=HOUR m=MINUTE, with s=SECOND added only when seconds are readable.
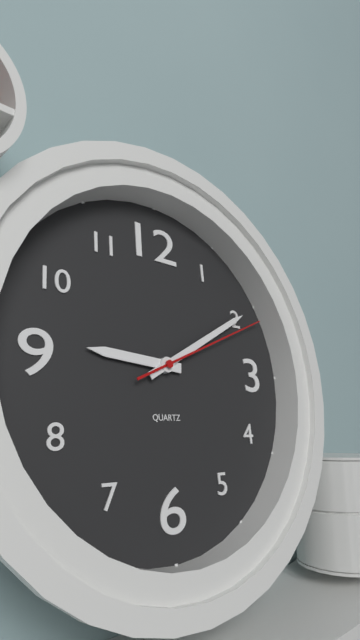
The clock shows h=9 m=10 s=11
